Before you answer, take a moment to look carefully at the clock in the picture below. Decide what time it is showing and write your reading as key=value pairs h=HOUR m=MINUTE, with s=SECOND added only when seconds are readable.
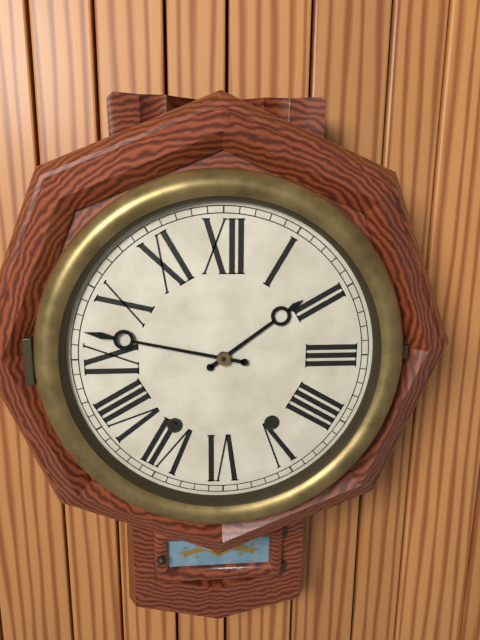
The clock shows h=1 m=47
